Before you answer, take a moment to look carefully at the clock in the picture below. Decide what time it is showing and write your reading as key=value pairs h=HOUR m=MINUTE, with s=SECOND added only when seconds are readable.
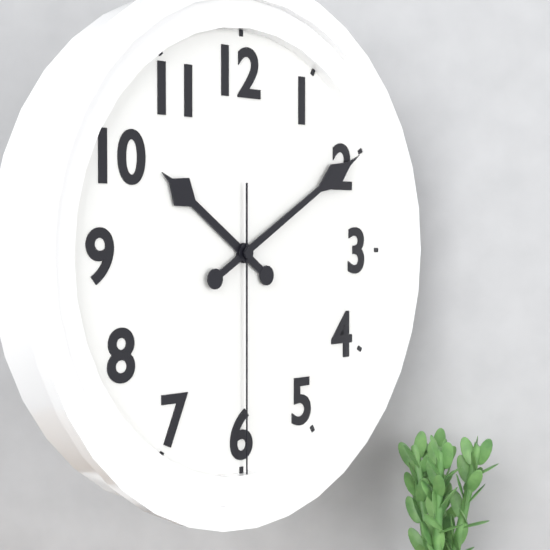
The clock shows h=10 m=10 s=30
